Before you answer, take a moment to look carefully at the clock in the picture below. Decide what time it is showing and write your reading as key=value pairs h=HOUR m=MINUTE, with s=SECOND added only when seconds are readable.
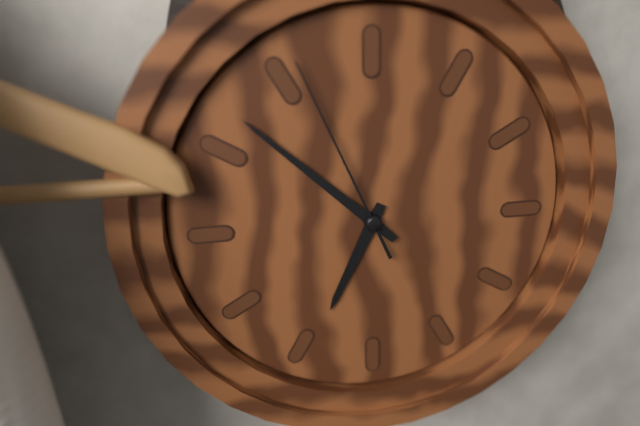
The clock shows h=6 m=52 s=56
